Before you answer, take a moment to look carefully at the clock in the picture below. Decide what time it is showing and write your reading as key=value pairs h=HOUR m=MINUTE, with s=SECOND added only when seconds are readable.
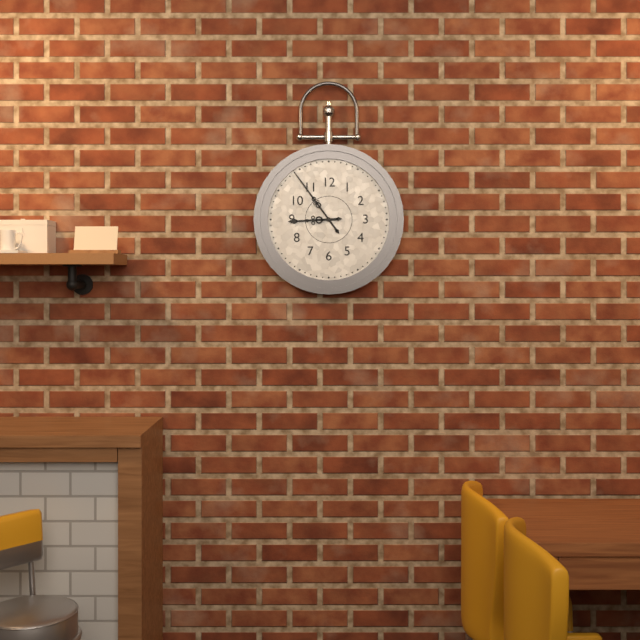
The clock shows h=8 m=54
